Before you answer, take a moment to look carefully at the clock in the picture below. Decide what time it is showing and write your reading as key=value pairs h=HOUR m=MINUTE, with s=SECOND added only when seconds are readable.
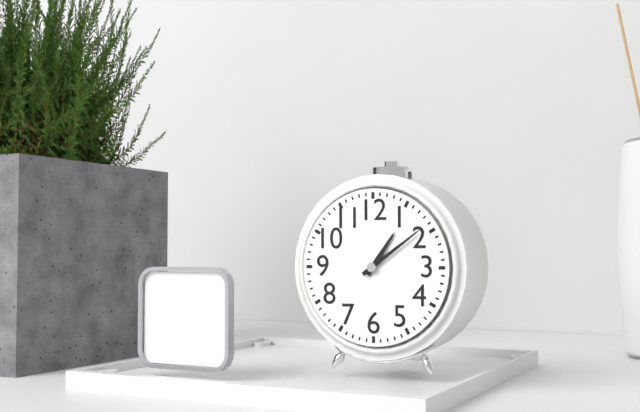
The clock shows h=1 m=9
